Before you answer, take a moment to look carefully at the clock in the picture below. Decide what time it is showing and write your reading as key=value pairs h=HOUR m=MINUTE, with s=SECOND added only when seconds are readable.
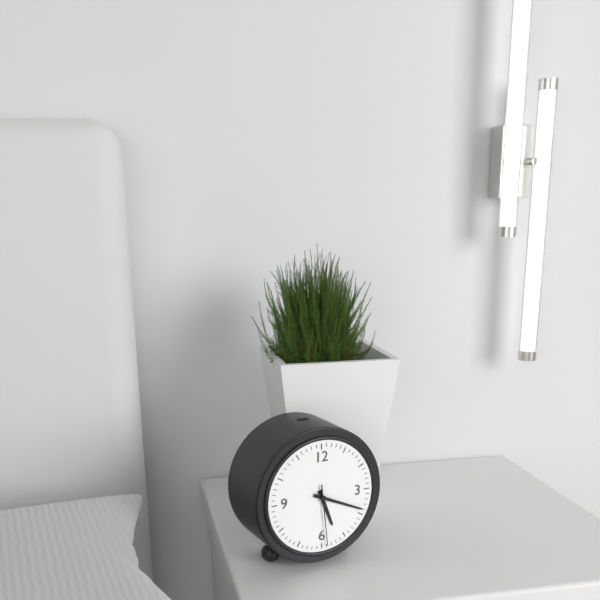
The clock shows h=5 m=19 s=29
